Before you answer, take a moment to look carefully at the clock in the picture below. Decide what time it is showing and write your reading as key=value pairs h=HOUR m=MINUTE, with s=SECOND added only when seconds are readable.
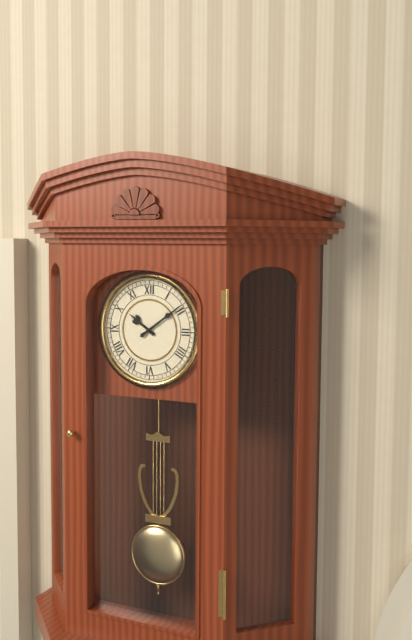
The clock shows h=10 m=9
